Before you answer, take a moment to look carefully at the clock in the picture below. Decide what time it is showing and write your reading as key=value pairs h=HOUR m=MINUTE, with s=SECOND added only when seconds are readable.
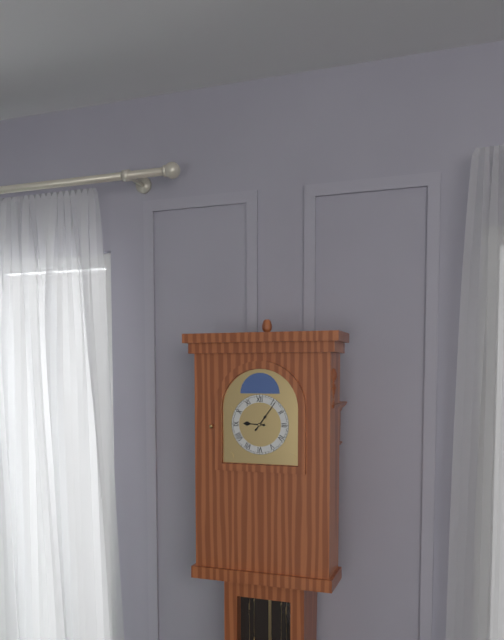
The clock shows h=9 m=6
